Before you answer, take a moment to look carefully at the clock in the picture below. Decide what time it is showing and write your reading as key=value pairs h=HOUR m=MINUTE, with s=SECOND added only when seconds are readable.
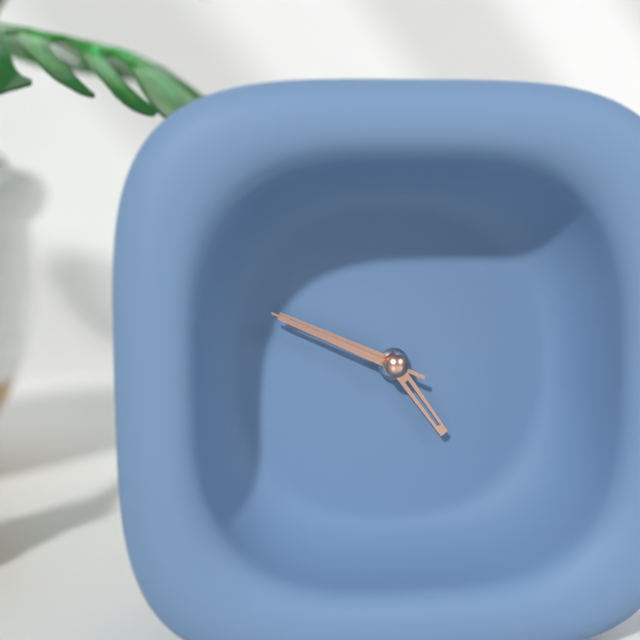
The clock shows h=4 m=49 s=49
